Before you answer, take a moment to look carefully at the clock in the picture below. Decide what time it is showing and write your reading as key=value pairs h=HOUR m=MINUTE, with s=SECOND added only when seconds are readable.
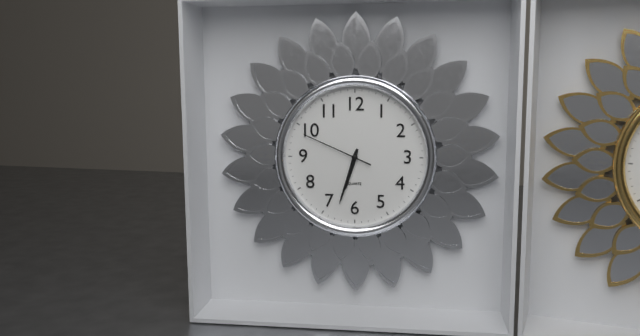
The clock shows h=6 m=33 s=49
